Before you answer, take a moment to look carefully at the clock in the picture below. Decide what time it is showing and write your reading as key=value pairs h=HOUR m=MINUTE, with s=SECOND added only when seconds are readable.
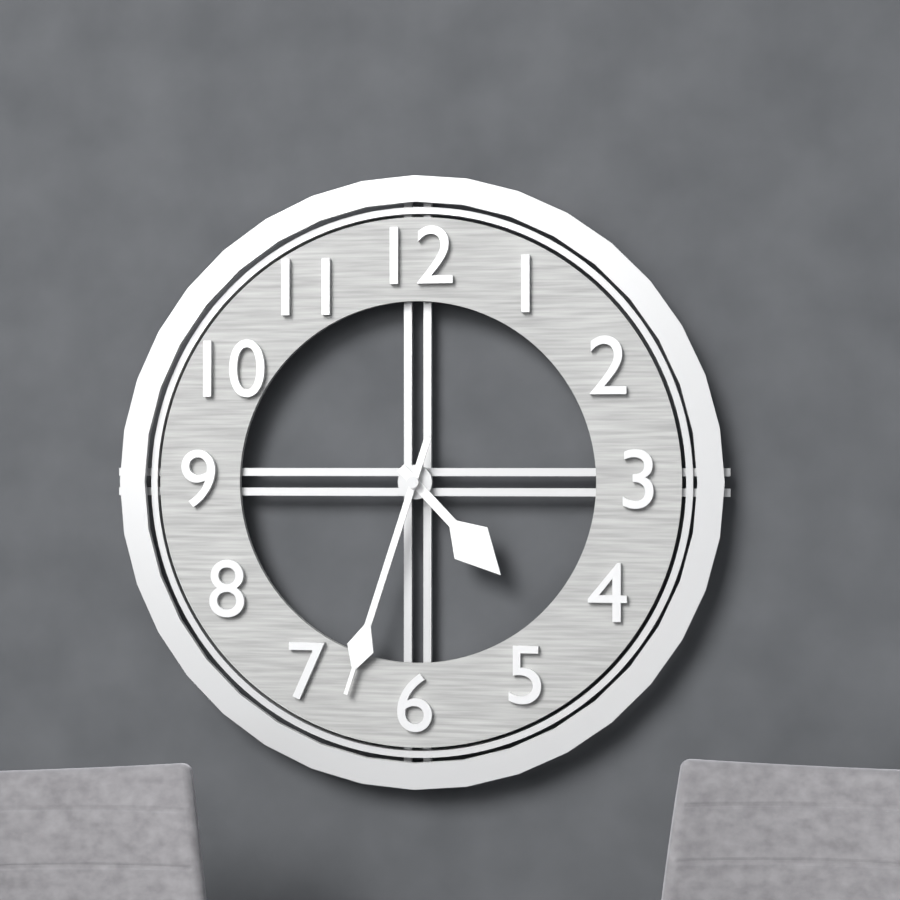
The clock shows h=4 m=33
